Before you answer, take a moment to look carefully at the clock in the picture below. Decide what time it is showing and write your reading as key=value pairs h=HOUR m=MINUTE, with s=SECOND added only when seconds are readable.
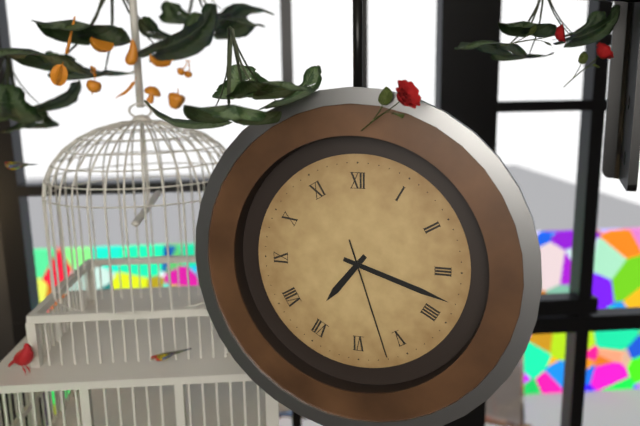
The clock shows h=7 m=18 s=27
